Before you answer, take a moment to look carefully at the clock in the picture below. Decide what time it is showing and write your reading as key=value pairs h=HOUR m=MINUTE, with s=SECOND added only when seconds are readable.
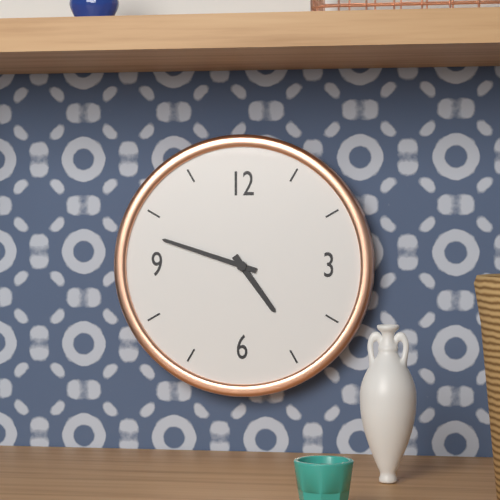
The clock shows h=4 m=48
